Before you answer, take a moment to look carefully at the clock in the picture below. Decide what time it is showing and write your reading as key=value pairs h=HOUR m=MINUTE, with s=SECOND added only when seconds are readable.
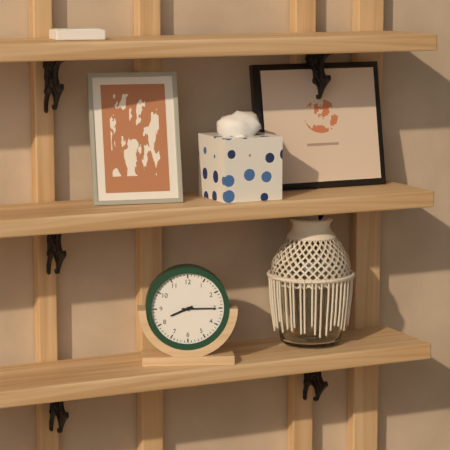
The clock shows h=8 m=15
